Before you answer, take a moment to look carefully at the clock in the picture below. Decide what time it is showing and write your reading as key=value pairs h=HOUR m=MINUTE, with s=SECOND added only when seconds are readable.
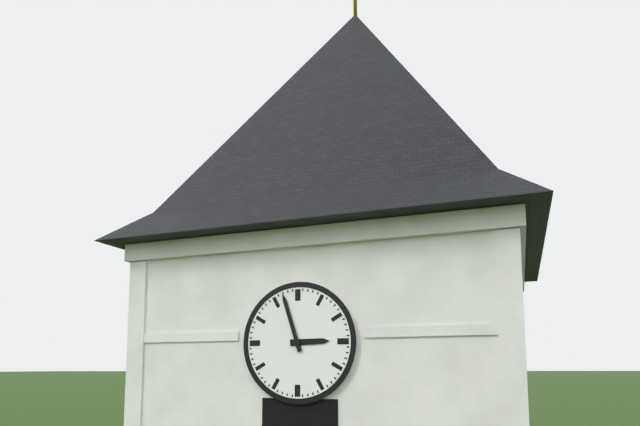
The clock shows h=2 m=57
